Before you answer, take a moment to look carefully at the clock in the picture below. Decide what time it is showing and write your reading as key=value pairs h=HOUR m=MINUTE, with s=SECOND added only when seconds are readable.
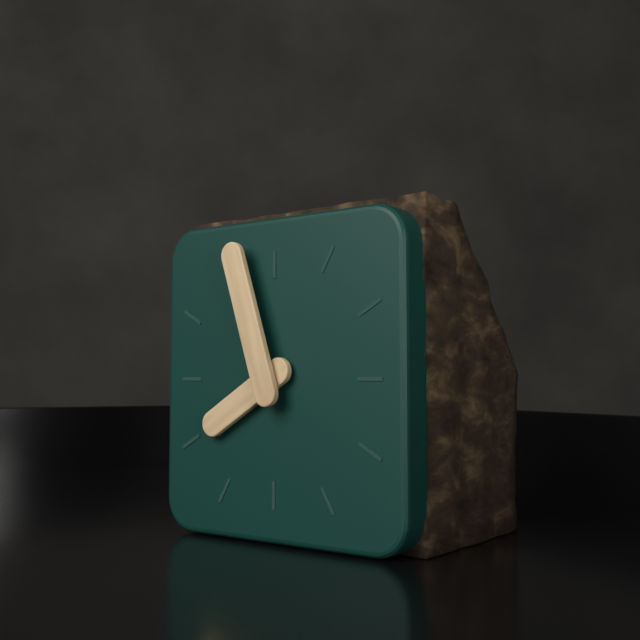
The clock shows h=7 m=57
